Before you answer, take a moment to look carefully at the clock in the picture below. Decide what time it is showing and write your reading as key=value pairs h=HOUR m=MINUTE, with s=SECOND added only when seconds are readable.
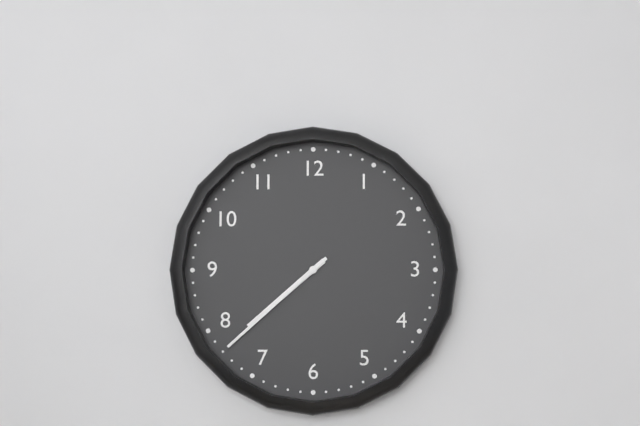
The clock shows h=7 m=38
